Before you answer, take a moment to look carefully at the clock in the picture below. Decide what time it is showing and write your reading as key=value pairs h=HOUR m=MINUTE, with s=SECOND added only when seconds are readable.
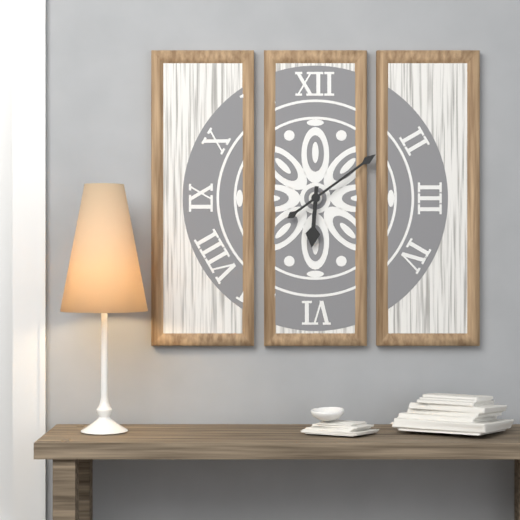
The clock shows h=6 m=9
